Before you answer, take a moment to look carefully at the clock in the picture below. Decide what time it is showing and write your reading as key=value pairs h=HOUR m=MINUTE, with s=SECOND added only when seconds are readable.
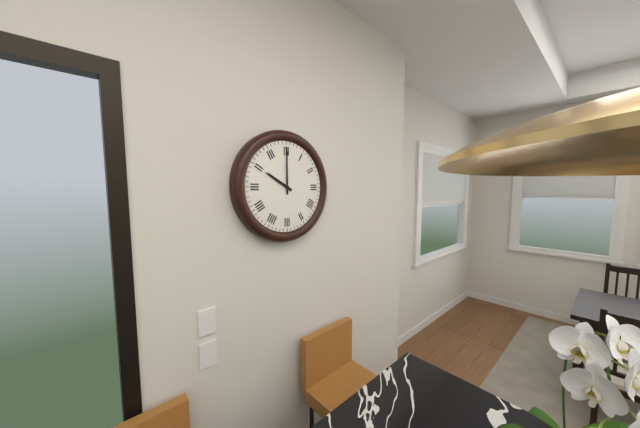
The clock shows h=10 m=0
